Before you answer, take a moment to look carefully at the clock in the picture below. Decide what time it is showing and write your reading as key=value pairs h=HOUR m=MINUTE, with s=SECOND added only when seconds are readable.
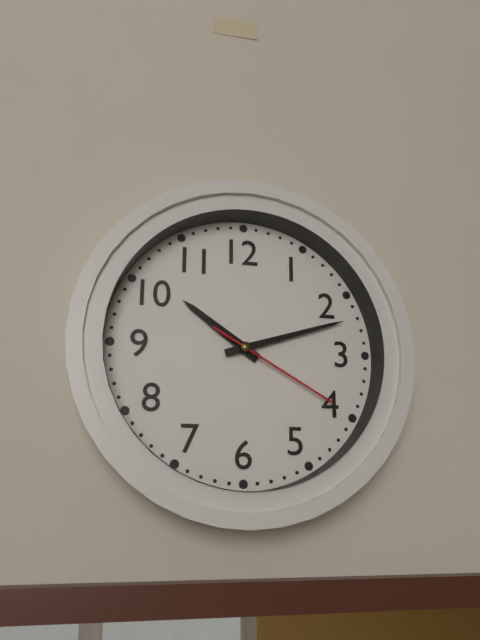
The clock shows h=10 m=12 s=20
